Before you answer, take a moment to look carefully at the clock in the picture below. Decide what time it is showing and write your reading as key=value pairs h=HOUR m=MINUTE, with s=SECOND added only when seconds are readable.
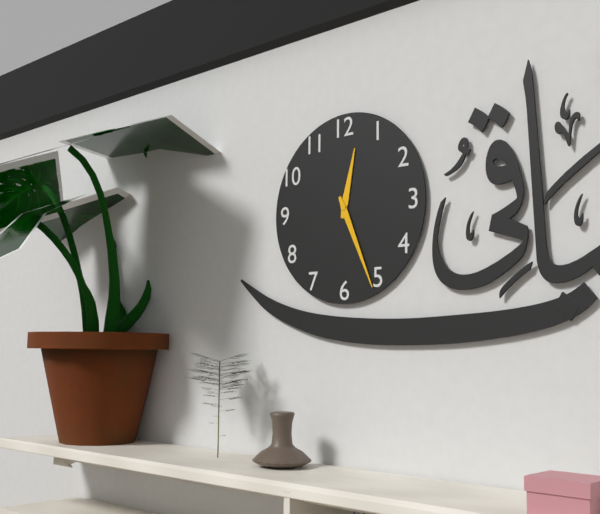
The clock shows h=12 m=26
